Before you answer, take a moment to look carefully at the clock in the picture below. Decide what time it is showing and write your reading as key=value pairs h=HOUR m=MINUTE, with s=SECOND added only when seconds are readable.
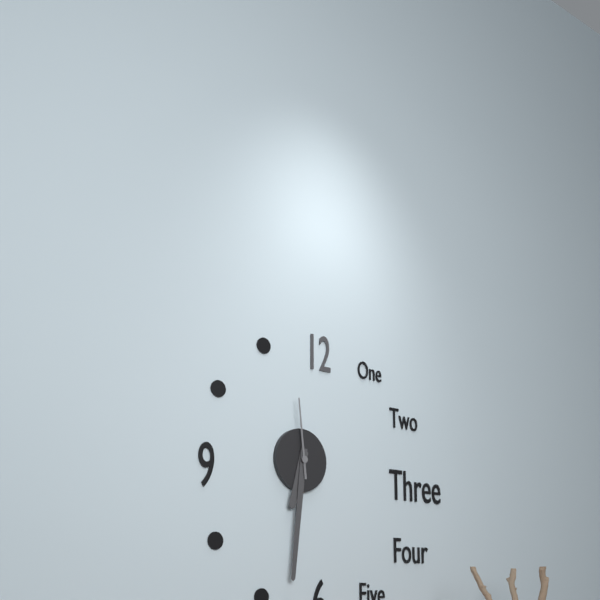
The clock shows h=6 m=31 s=59
